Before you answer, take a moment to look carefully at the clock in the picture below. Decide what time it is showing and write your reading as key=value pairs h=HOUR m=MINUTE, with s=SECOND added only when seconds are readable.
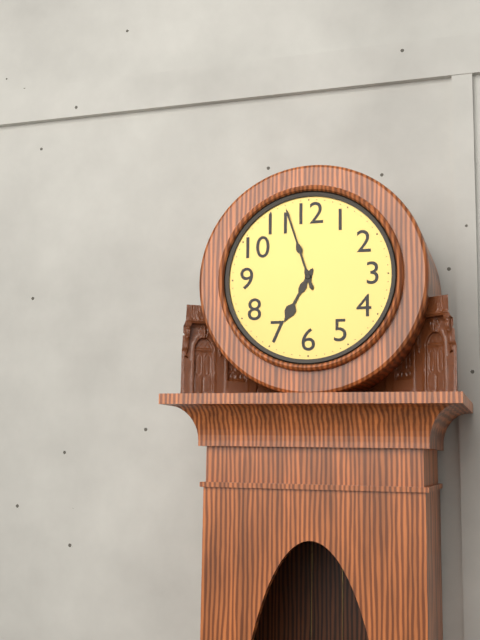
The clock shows h=6 m=57
